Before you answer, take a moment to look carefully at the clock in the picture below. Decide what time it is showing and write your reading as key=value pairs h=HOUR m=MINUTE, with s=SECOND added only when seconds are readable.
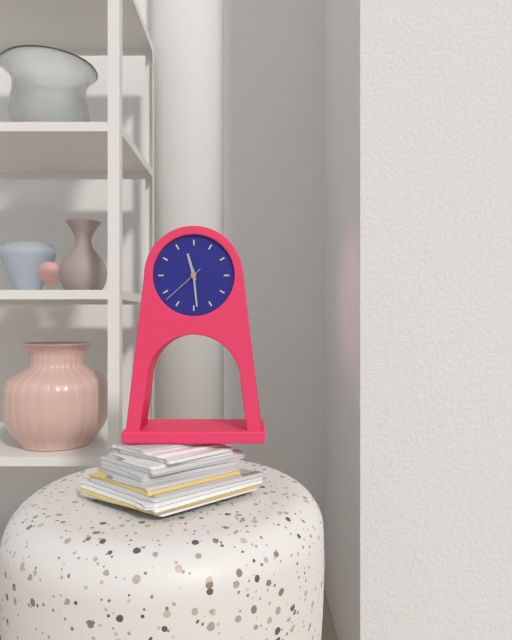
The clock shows h=11 m=29
